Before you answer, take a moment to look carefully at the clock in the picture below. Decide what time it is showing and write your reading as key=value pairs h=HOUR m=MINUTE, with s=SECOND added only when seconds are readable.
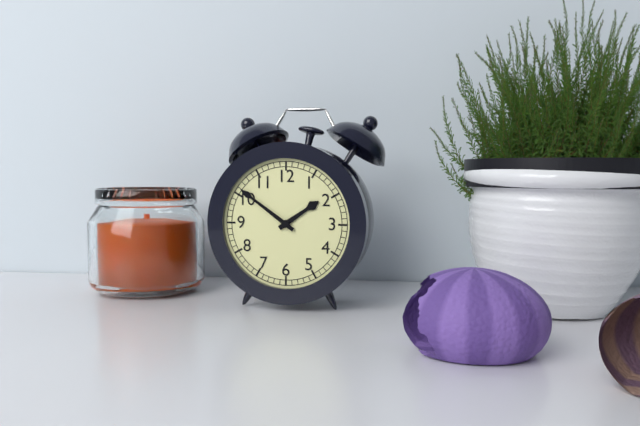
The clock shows h=1 m=51
